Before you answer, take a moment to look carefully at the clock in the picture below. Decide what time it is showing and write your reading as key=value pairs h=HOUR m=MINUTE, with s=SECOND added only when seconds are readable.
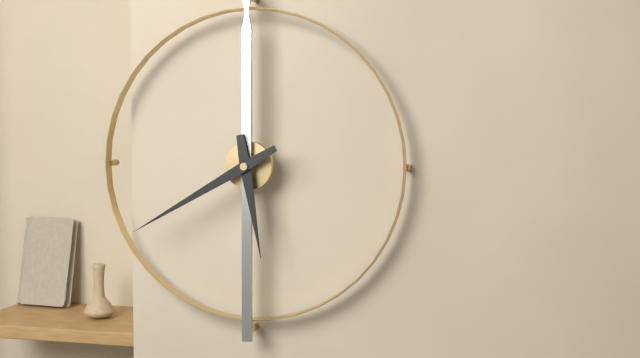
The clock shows h=5 m=40
